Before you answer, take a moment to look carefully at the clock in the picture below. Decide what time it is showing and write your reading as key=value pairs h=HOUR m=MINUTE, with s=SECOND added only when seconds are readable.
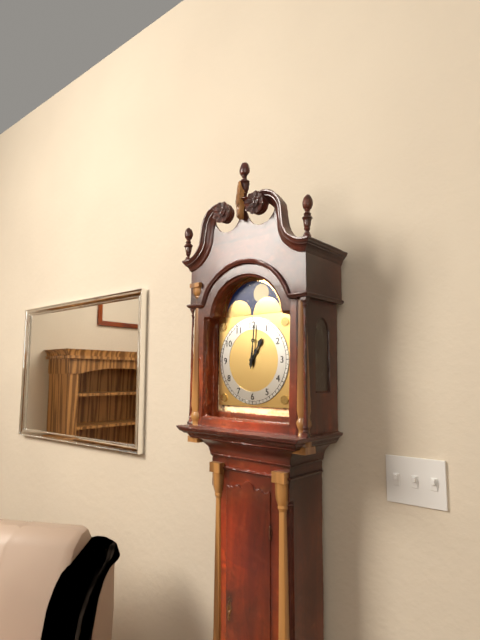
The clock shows h=1 m=1
